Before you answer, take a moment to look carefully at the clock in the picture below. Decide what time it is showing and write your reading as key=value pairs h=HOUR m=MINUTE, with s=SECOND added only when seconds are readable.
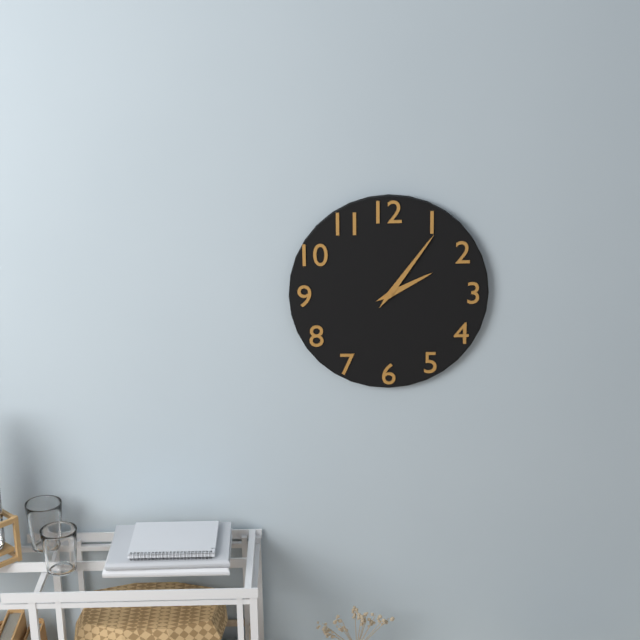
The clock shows h=2 m=6
